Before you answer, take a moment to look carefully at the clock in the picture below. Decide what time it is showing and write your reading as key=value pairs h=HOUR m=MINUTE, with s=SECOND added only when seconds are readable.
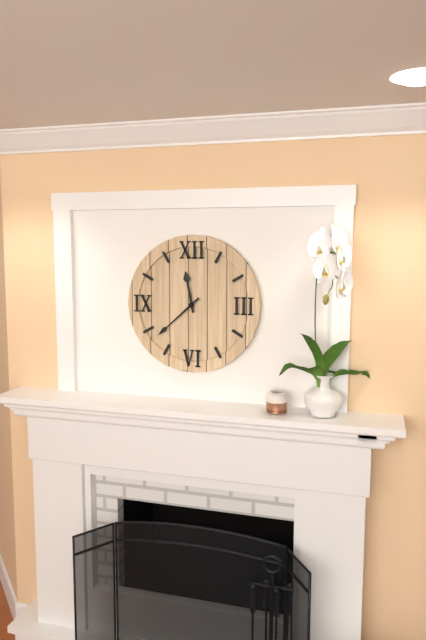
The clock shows h=11 m=38
